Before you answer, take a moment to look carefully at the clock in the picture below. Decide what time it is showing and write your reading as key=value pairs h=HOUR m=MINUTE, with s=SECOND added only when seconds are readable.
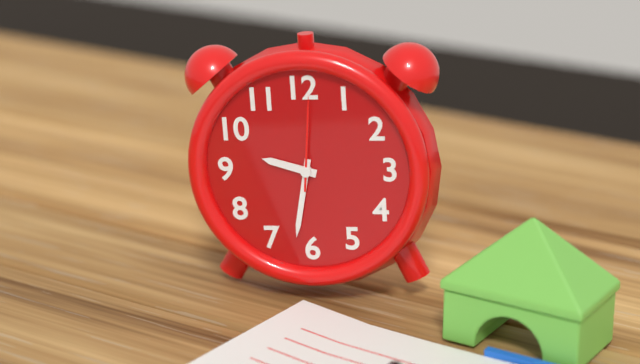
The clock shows h=9 m=32 s=1
